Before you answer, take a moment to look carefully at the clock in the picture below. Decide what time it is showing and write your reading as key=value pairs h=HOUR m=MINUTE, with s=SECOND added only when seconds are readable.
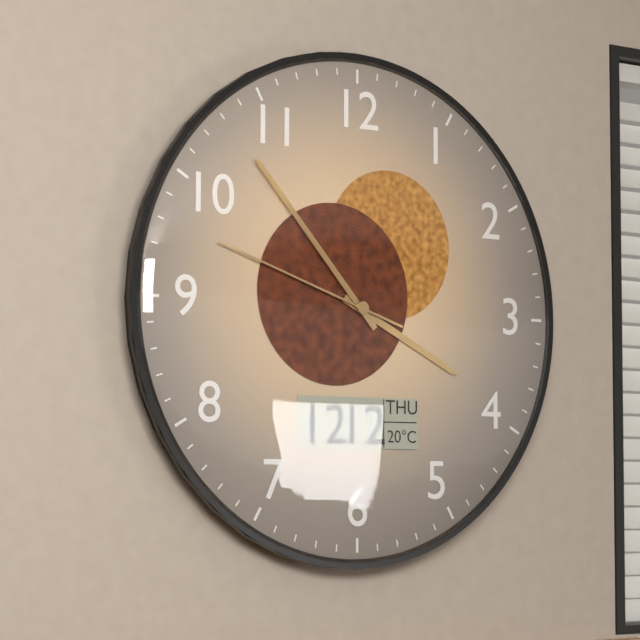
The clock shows h=3 m=53 s=48
